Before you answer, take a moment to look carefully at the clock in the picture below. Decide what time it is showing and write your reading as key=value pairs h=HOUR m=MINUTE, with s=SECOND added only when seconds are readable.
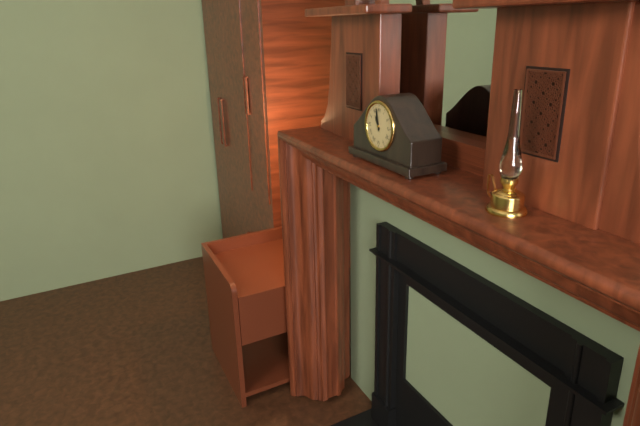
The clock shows h=10 m=58
